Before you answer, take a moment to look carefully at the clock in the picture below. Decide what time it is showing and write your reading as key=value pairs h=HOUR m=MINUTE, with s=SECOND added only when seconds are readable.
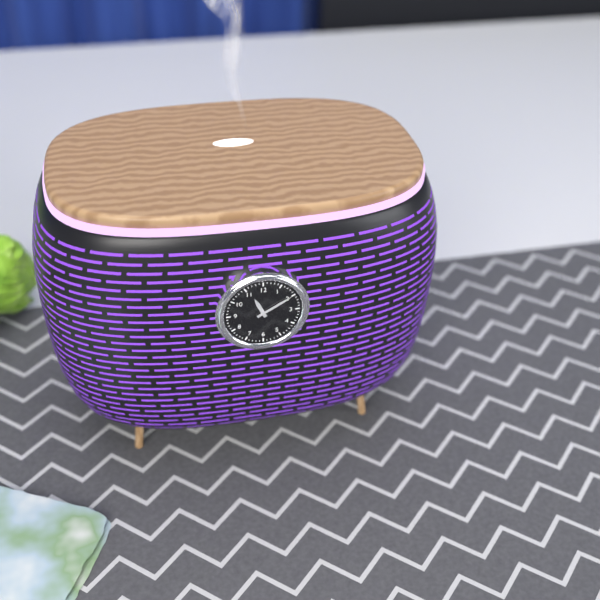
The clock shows h=11 m=10
